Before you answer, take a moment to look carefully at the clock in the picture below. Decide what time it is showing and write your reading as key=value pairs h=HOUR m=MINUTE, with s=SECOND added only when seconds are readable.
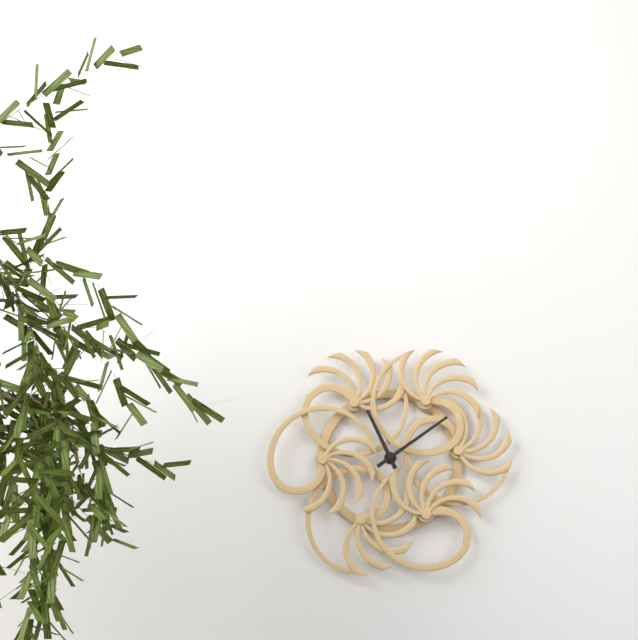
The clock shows h=11 m=9
